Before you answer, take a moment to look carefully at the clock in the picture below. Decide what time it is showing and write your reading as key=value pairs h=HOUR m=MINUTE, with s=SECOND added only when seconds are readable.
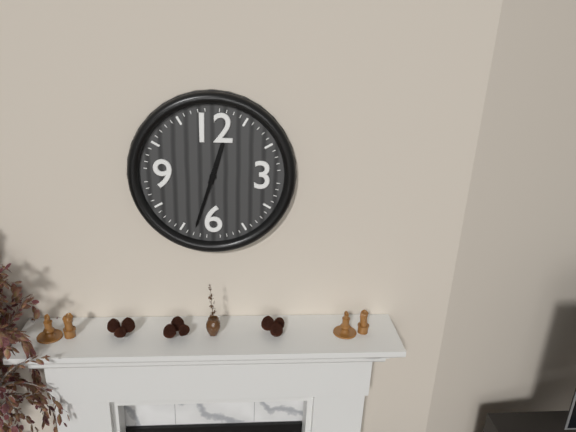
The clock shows h=12 m=33
